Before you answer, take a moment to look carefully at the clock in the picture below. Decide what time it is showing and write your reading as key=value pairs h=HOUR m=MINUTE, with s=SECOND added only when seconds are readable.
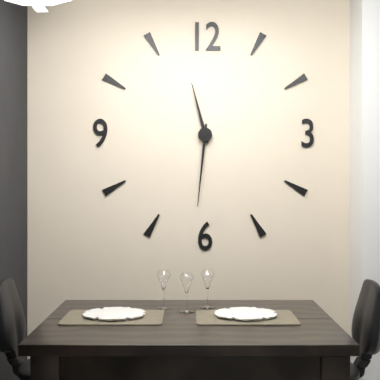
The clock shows h=11 m=31
